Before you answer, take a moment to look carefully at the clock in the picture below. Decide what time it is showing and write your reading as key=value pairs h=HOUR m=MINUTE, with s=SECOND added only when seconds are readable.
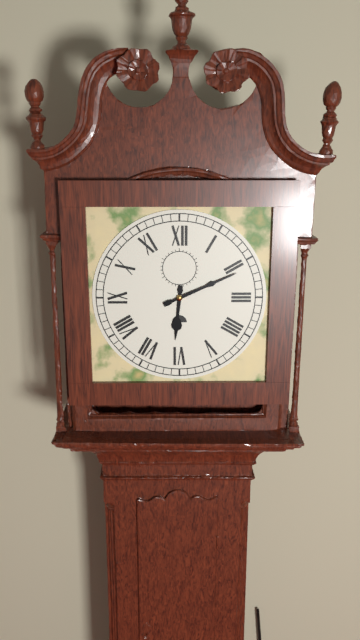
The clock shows h=6 m=11
